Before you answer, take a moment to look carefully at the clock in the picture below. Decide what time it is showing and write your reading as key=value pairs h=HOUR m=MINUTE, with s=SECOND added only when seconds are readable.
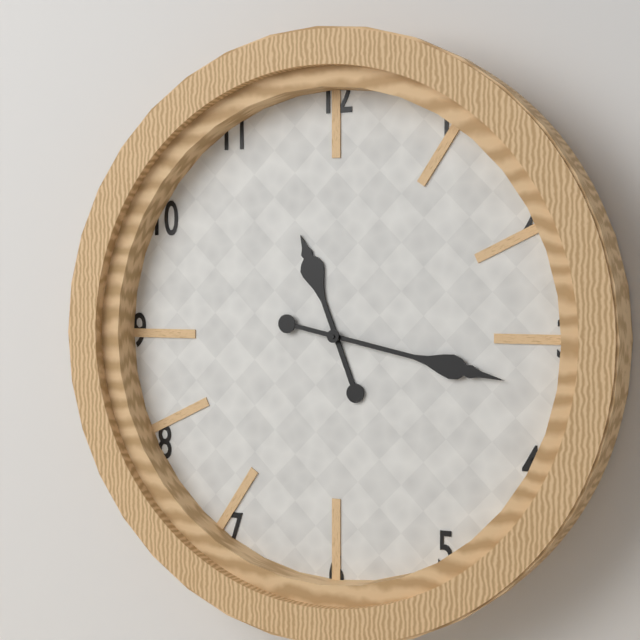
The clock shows h=11 m=17
